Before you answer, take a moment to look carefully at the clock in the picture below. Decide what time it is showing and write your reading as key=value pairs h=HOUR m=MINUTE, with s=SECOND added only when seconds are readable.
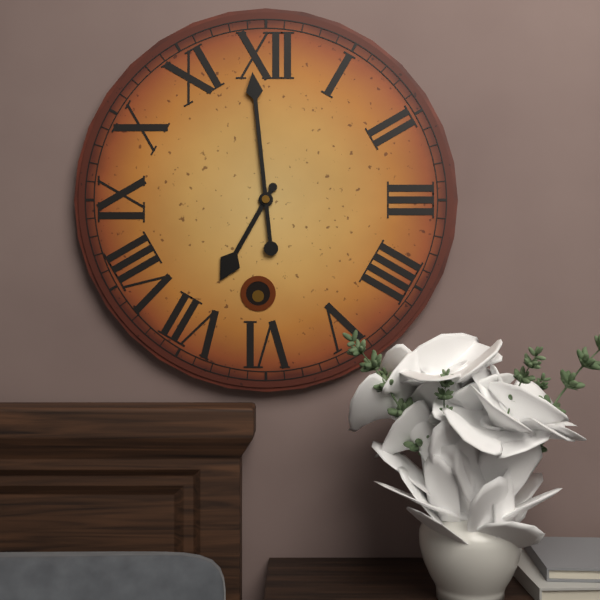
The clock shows h=6 m=59
